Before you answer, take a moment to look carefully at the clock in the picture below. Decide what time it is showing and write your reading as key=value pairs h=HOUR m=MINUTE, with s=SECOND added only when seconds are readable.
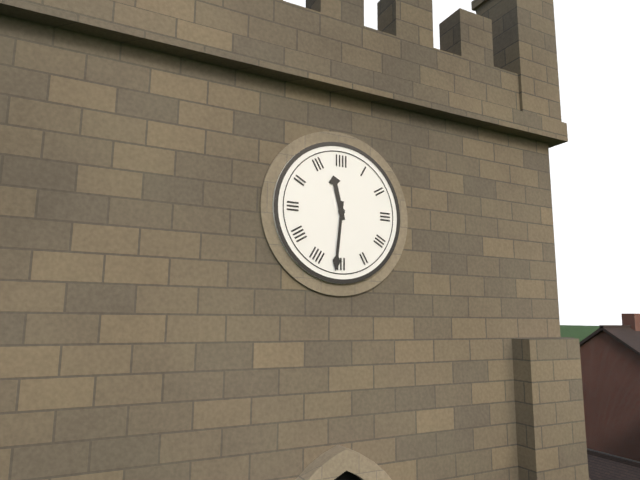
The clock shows h=11 m=31
